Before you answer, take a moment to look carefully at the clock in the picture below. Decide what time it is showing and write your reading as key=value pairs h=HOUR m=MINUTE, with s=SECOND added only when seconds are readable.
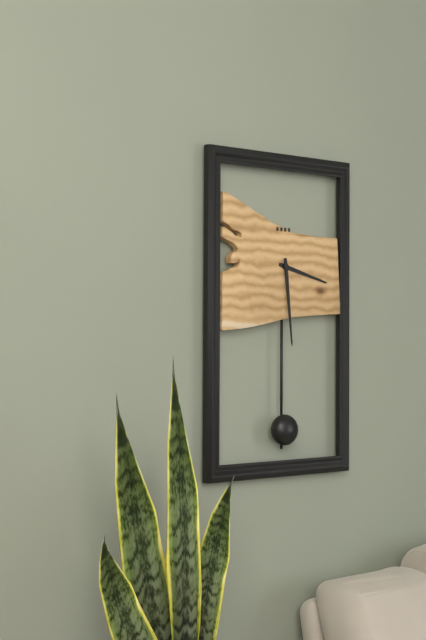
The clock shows h=3 m=29
